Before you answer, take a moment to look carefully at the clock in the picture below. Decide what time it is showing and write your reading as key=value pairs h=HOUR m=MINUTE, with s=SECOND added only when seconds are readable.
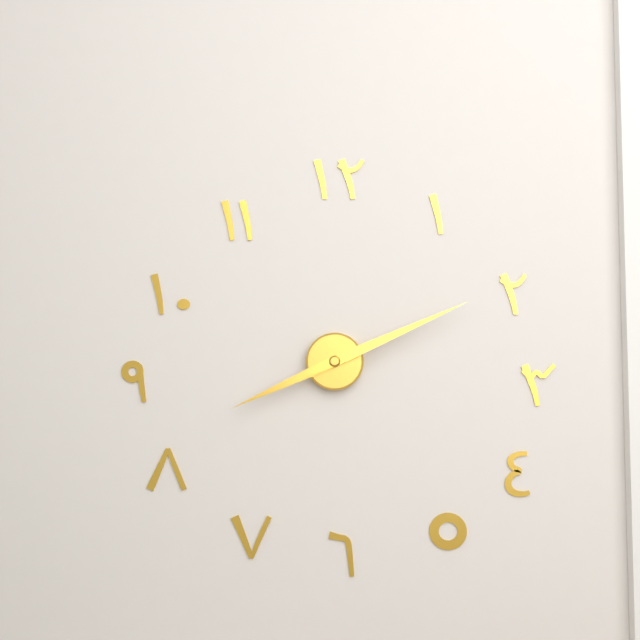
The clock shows h=8 m=11
